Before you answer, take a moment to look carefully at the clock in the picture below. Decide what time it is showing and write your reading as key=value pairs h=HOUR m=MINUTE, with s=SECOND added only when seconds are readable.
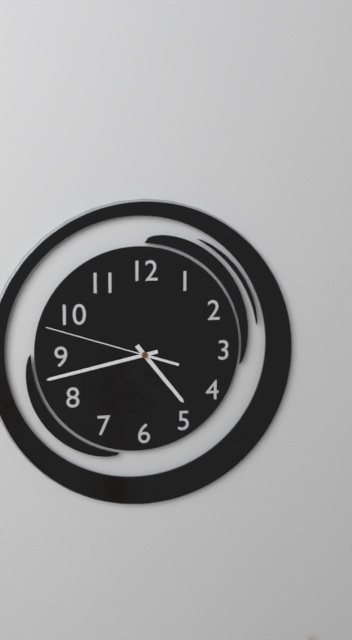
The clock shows h=4 m=43 s=48
